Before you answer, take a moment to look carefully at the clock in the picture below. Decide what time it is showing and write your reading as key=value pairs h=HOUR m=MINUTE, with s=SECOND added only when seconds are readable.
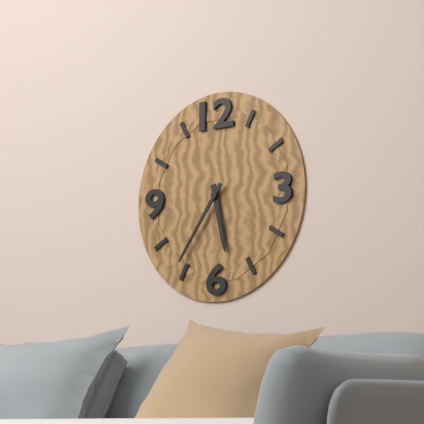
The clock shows h=5 m=36
